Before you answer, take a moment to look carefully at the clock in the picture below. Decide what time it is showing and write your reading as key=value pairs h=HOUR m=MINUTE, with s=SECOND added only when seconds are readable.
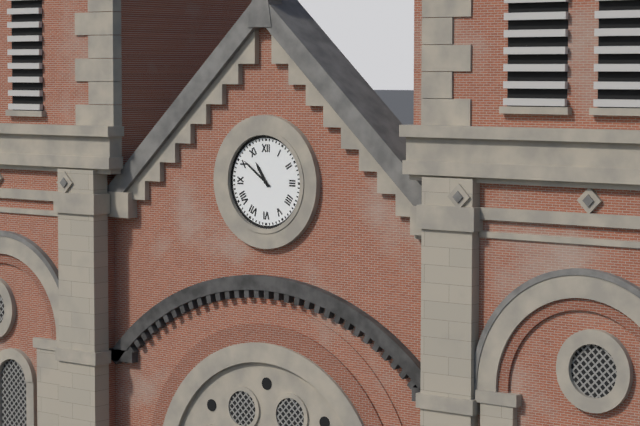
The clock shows h=10 m=51
